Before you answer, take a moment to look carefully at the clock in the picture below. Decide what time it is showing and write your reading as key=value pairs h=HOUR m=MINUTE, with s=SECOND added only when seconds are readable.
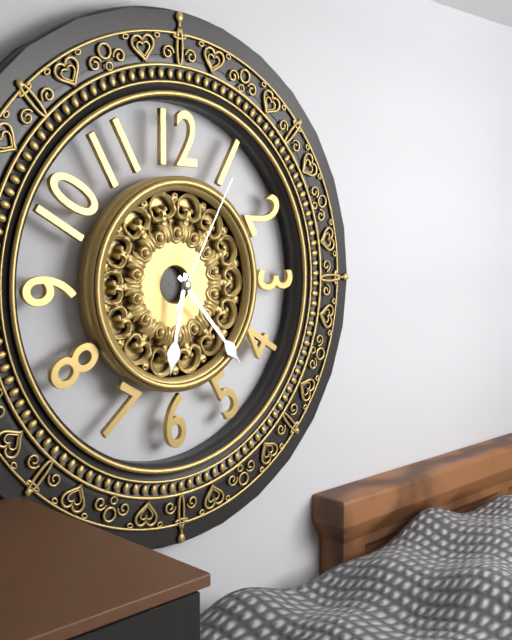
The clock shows h=6 m=23 s=5
